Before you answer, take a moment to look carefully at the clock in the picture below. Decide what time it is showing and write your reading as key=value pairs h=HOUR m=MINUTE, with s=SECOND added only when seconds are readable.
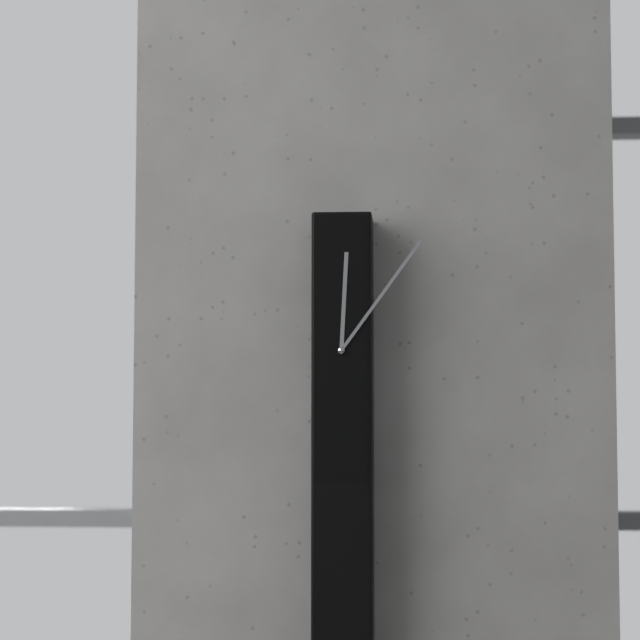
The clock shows h=12 m=6
